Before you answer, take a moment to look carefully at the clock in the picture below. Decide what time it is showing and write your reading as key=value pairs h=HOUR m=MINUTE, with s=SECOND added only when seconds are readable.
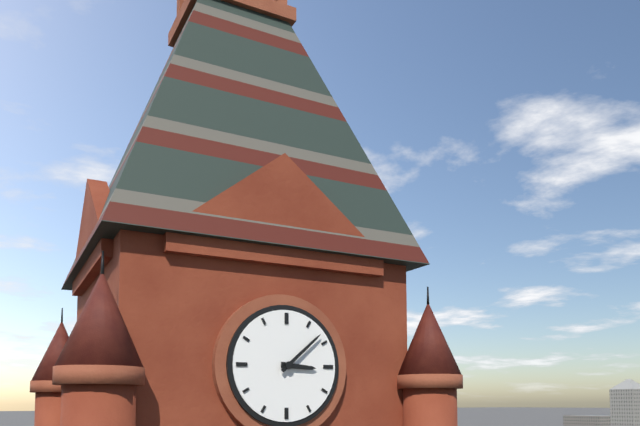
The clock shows h=3 m=8
